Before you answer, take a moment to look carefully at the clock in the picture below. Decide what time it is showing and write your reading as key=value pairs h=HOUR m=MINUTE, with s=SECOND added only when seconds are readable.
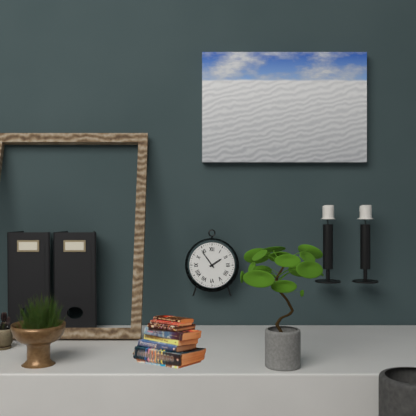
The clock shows h=1 m=54
